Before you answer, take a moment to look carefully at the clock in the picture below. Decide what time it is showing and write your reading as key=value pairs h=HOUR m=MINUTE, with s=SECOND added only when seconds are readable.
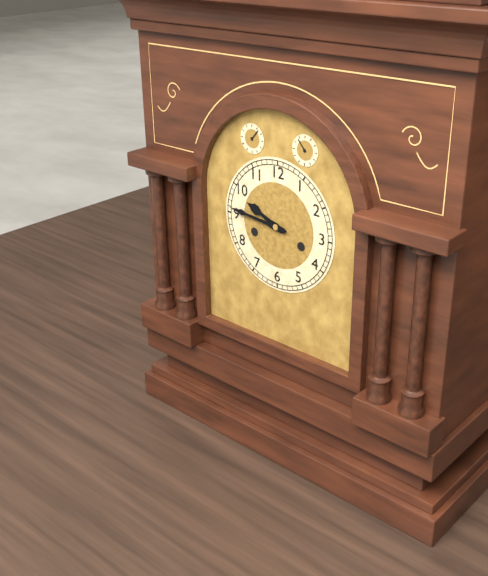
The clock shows h=9 m=46
